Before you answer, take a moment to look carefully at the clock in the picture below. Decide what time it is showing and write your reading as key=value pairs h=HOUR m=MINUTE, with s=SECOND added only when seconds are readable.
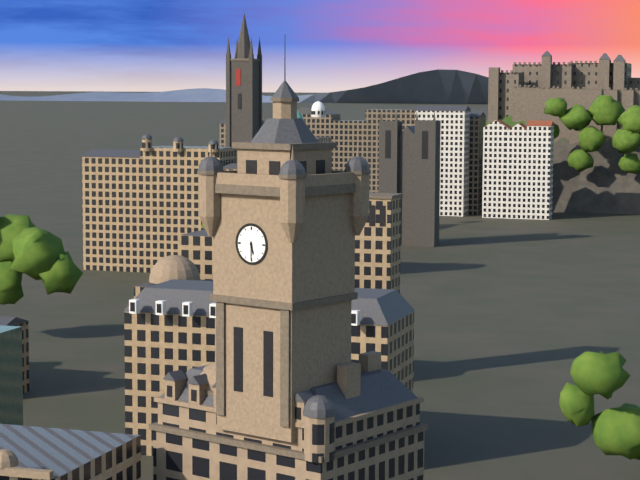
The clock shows h=5 m=30
